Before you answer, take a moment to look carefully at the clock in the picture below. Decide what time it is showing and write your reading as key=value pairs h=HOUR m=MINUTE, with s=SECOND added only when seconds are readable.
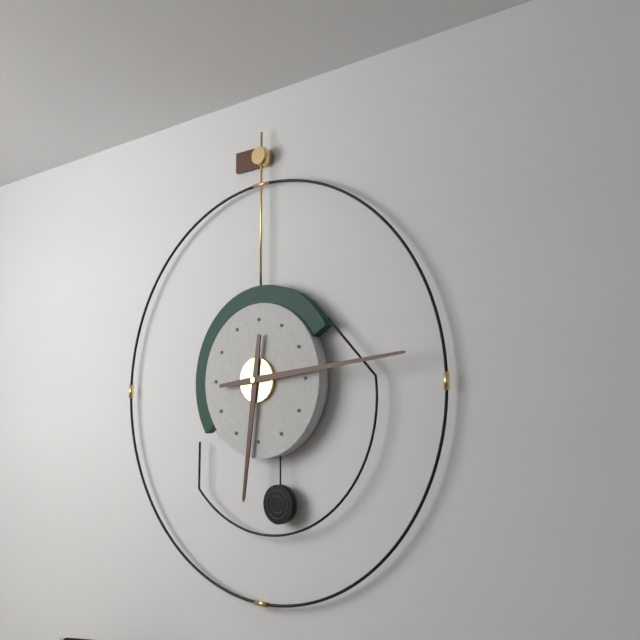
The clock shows h=6 m=14
